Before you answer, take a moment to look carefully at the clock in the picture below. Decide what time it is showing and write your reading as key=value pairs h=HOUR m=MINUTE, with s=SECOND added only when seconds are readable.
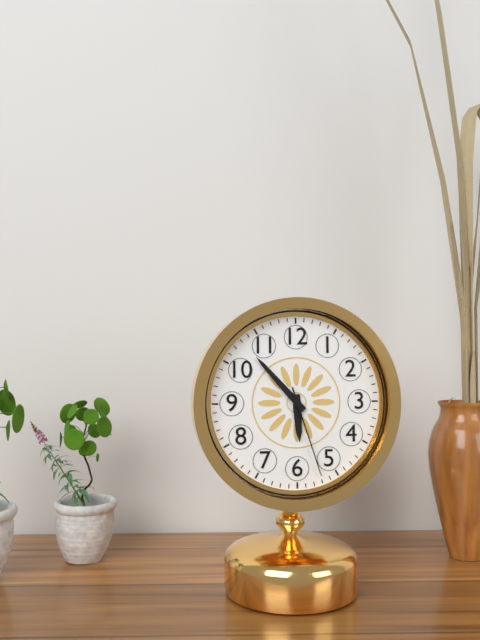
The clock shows h=5 m=53 s=27
